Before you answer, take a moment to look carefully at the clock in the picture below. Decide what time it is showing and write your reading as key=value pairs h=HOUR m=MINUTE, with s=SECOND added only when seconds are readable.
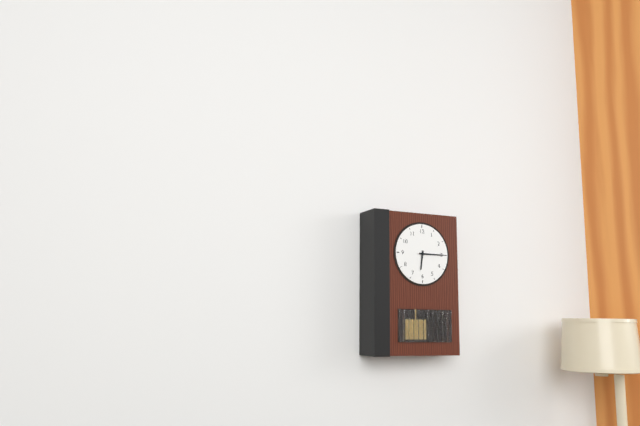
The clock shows h=6 m=15
